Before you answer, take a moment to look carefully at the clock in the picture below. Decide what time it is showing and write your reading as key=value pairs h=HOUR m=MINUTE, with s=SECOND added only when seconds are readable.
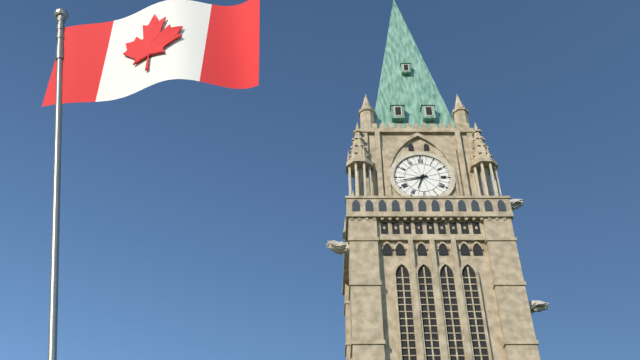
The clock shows h=6 m=43
